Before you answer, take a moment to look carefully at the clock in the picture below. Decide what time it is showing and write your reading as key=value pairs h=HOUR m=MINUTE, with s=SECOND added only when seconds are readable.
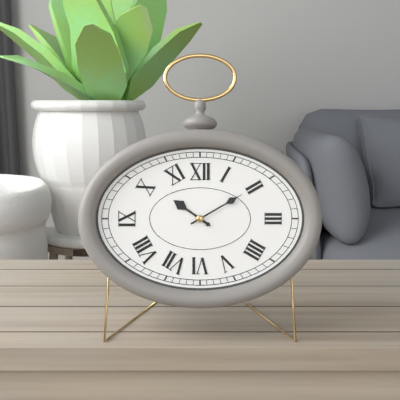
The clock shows h=10 m=10
